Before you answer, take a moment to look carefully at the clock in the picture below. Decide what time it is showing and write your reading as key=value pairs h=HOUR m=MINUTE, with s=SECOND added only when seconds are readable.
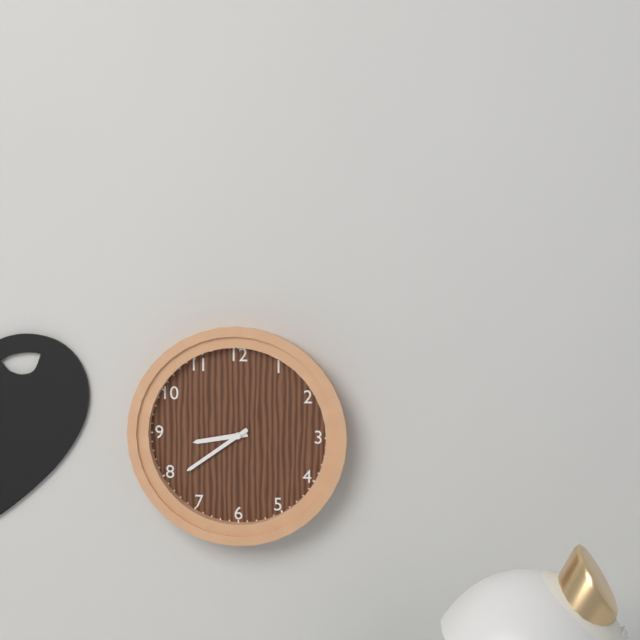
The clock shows h=8 m=39
